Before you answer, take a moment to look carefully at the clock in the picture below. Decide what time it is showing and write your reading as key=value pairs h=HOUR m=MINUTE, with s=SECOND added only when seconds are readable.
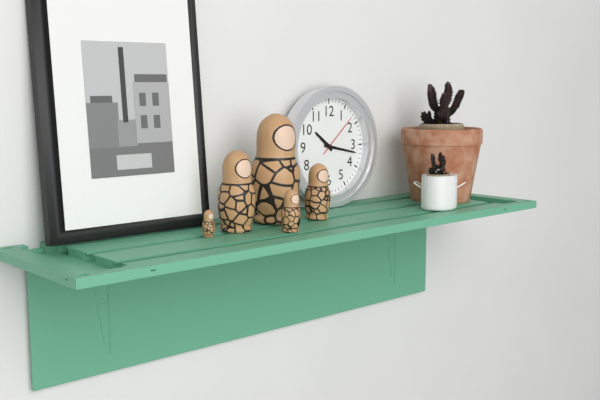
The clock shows h=10 m=17
